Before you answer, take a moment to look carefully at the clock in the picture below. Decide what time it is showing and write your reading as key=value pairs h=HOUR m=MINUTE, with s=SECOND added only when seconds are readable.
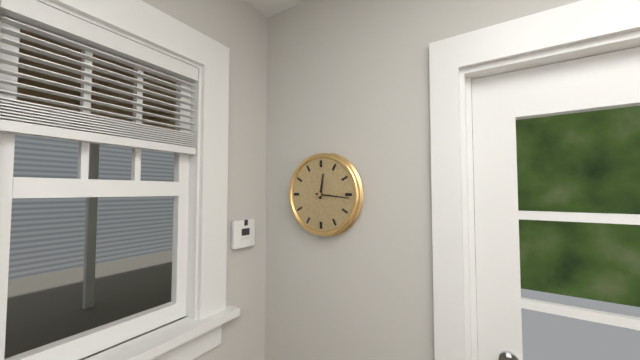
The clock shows h=12 m=16
